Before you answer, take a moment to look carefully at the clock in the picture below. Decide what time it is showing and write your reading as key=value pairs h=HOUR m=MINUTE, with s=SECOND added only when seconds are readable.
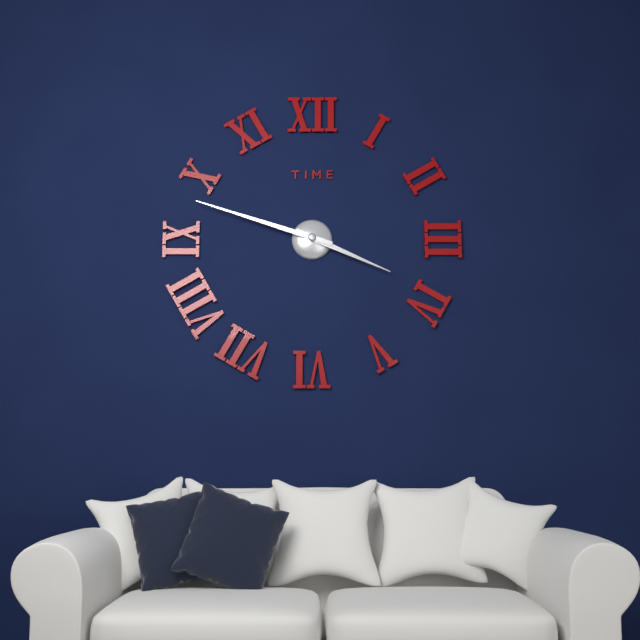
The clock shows h=3 m=48
